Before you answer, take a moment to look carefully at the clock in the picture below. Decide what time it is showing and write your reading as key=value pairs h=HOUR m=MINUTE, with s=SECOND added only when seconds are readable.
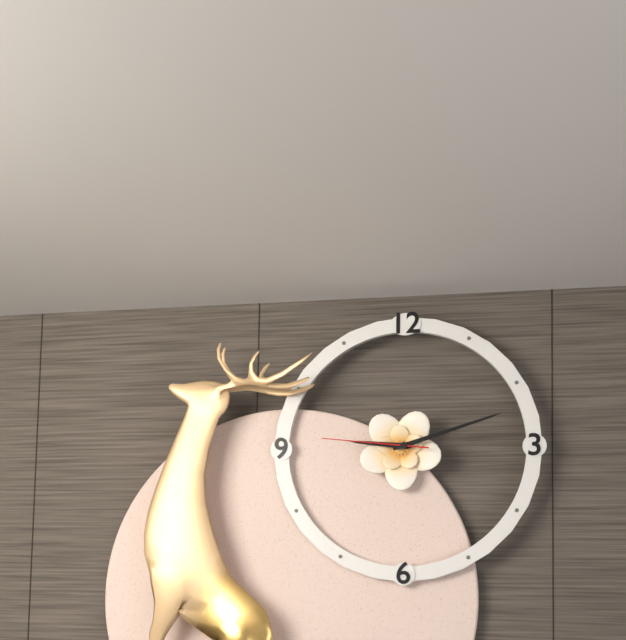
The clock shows h=9 m=12 s=46
